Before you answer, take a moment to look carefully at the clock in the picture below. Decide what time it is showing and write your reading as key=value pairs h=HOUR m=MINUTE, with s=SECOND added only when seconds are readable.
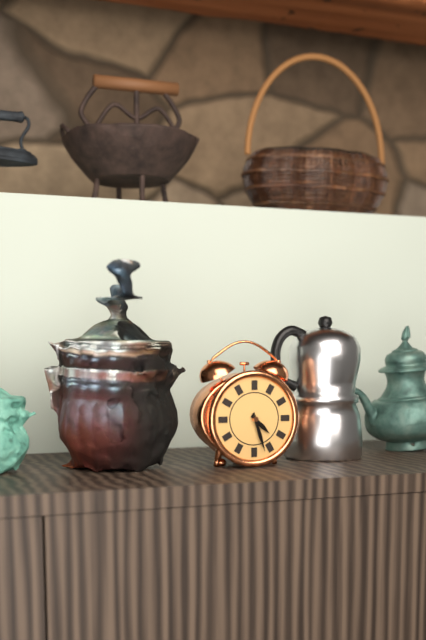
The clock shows h=4 m=27
